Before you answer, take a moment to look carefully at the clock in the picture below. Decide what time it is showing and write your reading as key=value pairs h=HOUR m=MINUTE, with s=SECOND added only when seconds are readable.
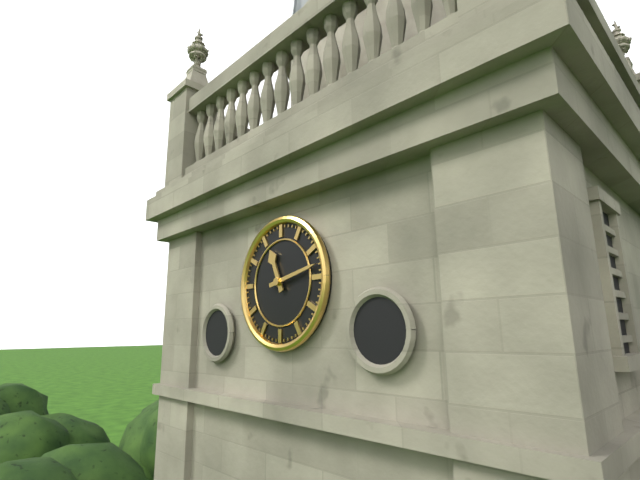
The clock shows h=11 m=13
